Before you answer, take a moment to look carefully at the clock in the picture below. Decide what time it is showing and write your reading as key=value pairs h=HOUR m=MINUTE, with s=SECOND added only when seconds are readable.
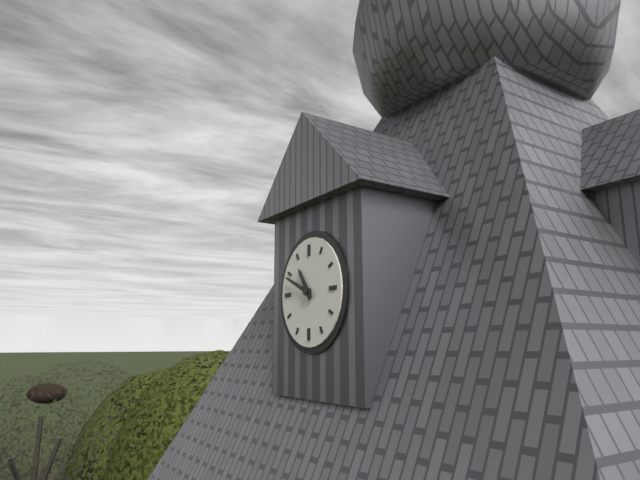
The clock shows h=10 m=49
